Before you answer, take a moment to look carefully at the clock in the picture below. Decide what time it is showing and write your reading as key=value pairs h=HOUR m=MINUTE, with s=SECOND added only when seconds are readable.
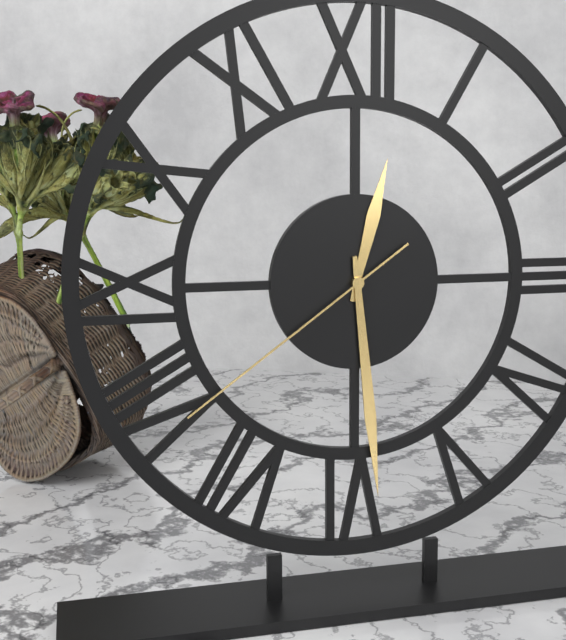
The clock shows h=12 m=29 s=39
